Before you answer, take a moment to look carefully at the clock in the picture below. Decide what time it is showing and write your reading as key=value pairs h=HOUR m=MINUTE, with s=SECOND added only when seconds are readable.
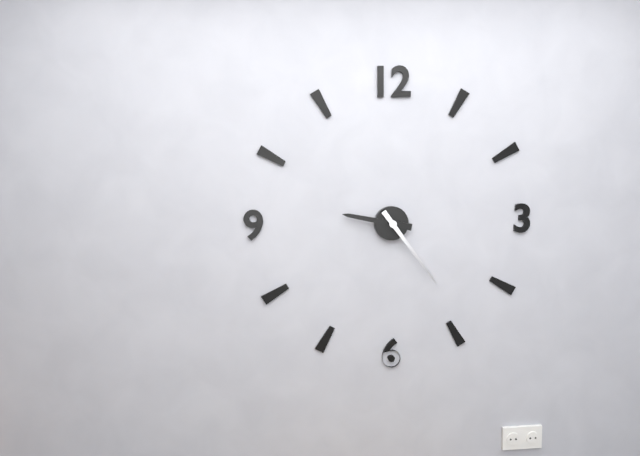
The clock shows h=9 m=24
